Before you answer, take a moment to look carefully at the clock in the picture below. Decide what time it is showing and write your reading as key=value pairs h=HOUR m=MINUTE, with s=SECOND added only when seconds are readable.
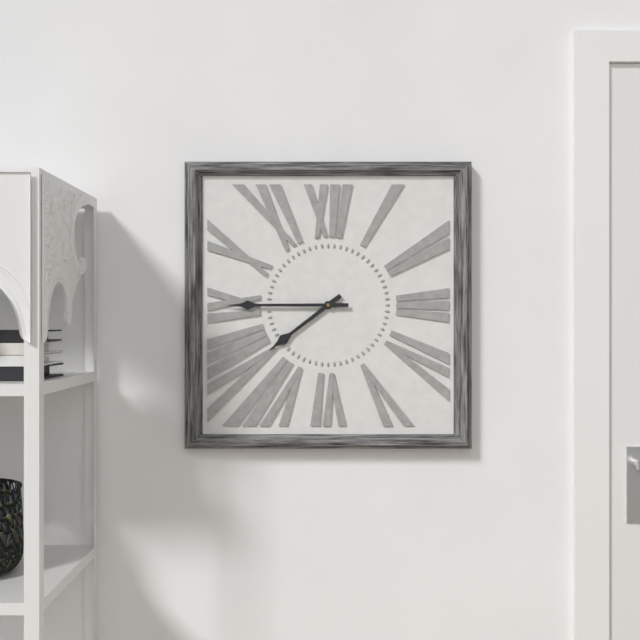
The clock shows h=7 m=45
